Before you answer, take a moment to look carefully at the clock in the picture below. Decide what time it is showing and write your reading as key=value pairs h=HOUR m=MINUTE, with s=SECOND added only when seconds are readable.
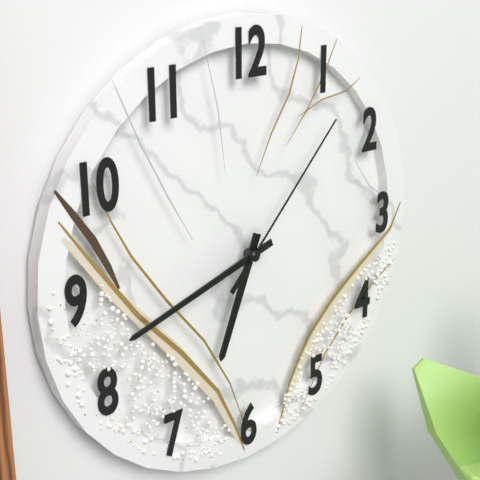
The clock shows h=6 m=42 s=7
